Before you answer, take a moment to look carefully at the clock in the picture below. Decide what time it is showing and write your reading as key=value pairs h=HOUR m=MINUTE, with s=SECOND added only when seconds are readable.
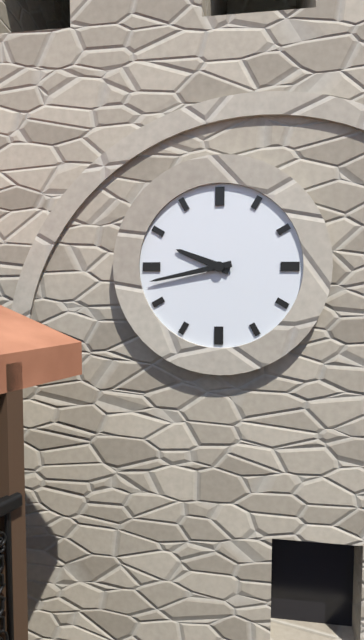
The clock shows h=9 m=43
